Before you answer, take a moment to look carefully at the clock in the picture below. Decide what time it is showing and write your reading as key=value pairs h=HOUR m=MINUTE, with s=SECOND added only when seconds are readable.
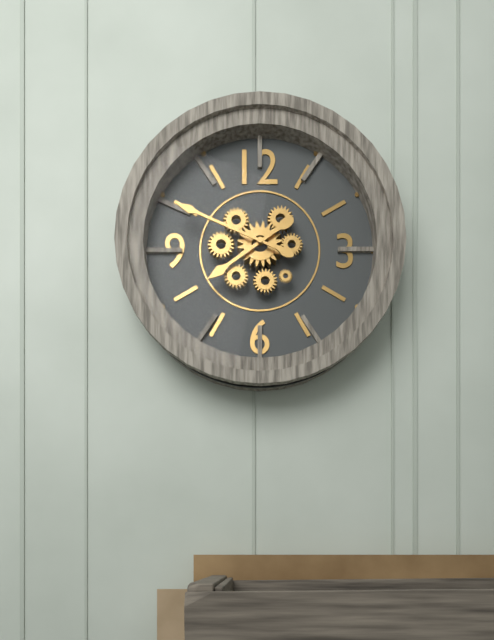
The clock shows h=7 m=49
